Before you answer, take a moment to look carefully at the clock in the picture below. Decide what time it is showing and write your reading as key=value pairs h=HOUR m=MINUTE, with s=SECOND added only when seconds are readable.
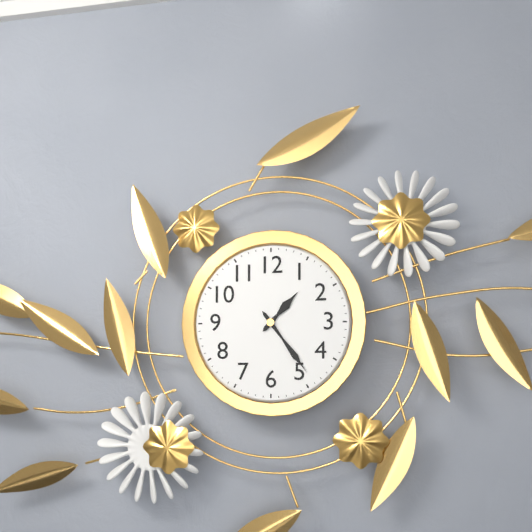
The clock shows h=1 m=24
